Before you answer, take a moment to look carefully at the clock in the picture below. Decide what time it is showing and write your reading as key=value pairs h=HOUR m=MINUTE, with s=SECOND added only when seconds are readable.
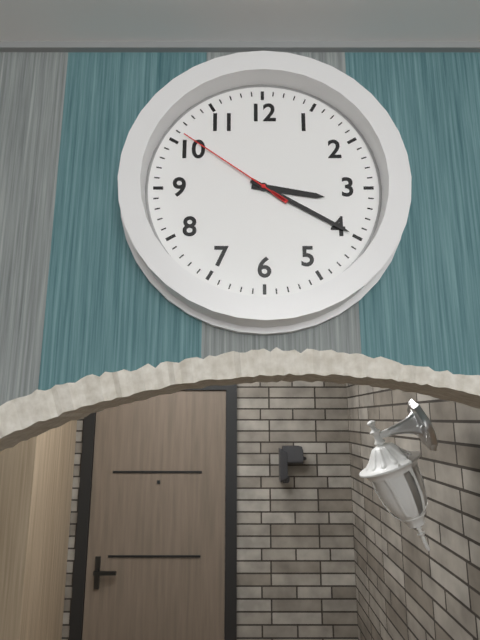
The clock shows h=3 m=20 s=51
